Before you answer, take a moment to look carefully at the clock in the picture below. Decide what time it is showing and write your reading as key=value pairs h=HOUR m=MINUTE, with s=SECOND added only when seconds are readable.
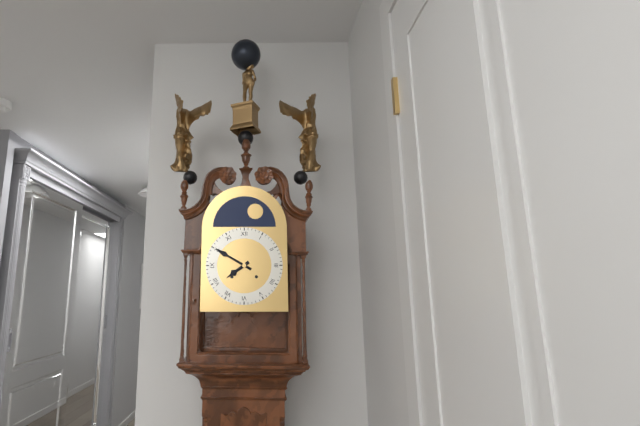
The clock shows h=7 m=50
